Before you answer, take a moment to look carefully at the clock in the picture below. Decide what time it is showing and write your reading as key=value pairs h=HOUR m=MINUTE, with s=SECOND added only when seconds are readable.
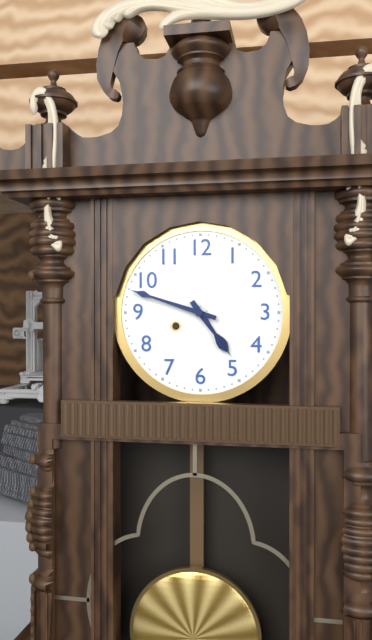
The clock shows h=4 m=48
